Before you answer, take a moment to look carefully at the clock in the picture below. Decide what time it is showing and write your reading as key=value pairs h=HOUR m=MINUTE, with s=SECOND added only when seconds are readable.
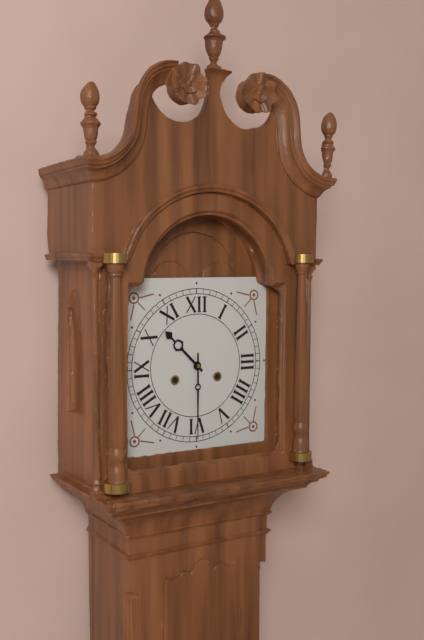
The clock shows h=10 m=30
